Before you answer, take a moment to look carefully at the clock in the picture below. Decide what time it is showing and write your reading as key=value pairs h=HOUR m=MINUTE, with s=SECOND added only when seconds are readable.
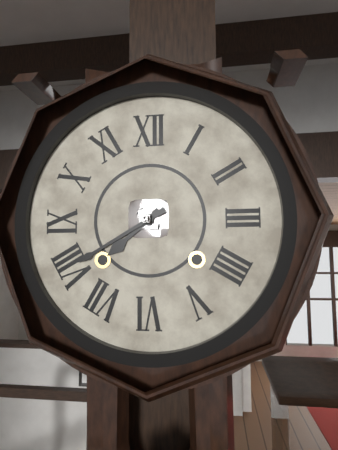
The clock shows h=7 m=40
